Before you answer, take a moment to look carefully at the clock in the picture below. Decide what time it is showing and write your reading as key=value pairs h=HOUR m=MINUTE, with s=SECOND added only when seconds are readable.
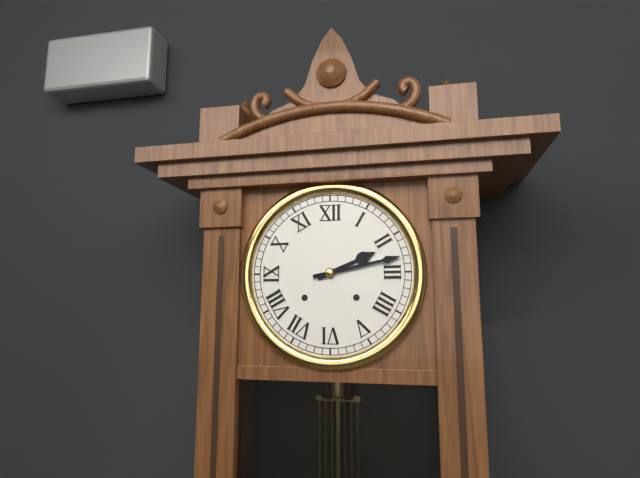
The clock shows h=2 m=13
